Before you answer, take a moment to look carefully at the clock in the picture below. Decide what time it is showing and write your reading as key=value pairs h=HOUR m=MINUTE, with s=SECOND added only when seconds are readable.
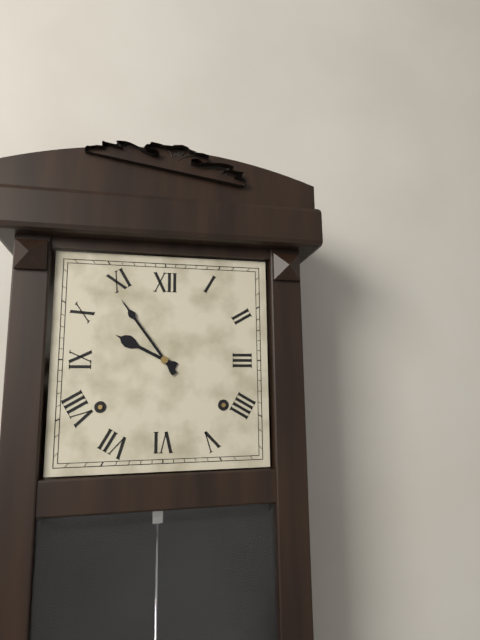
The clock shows h=9 m=54
